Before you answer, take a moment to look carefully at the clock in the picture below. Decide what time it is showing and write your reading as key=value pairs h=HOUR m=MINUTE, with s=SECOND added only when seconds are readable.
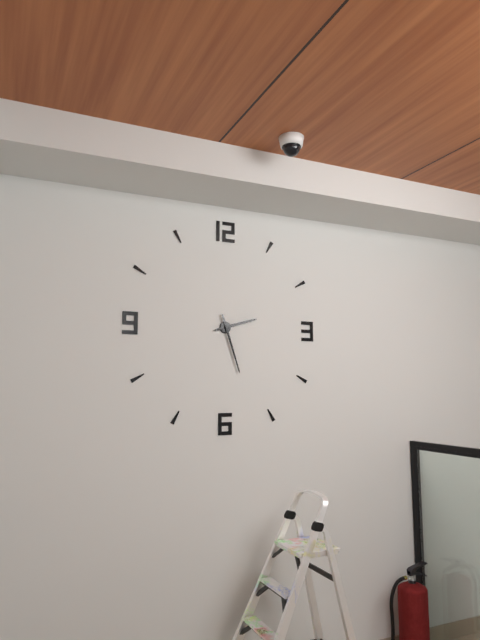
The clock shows h=2 m=27
